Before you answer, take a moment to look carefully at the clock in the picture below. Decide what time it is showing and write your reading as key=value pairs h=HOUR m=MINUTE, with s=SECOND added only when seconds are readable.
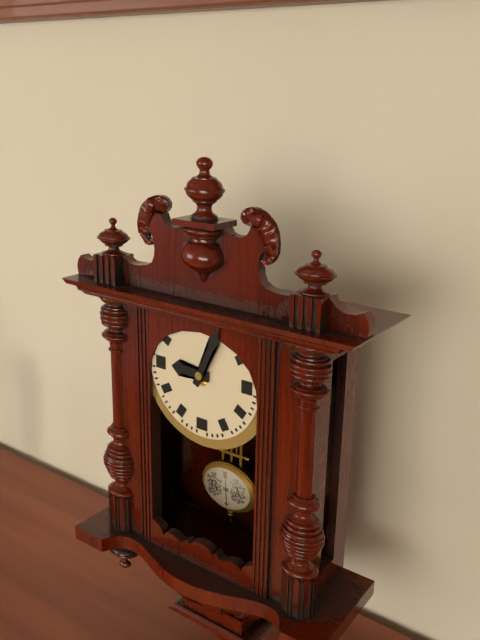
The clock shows h=9 m=4
